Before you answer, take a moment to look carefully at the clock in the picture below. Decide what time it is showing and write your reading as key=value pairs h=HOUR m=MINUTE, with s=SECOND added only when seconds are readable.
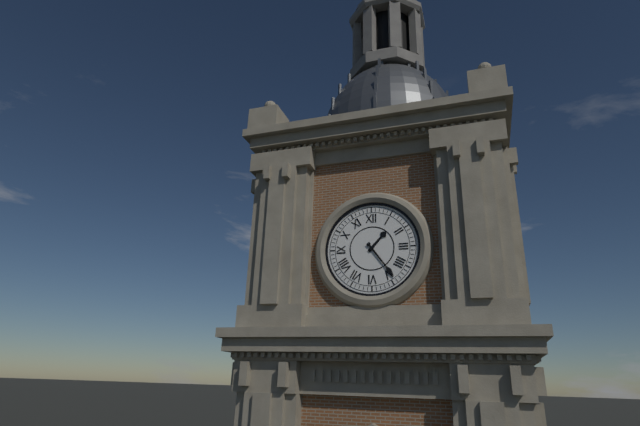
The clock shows h=1 m=24
